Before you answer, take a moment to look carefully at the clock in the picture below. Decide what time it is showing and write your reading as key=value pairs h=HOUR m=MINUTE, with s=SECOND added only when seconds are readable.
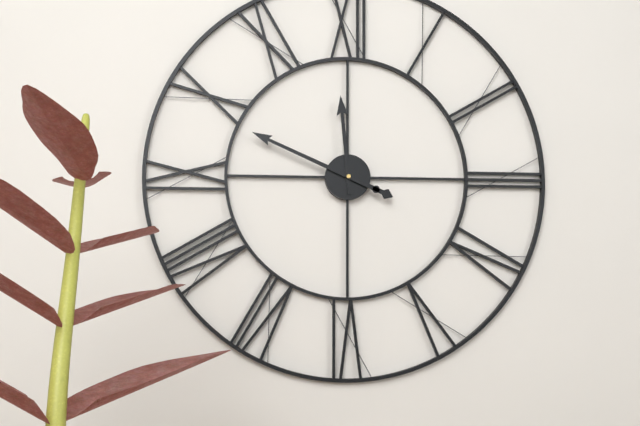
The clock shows h=11 m=49
